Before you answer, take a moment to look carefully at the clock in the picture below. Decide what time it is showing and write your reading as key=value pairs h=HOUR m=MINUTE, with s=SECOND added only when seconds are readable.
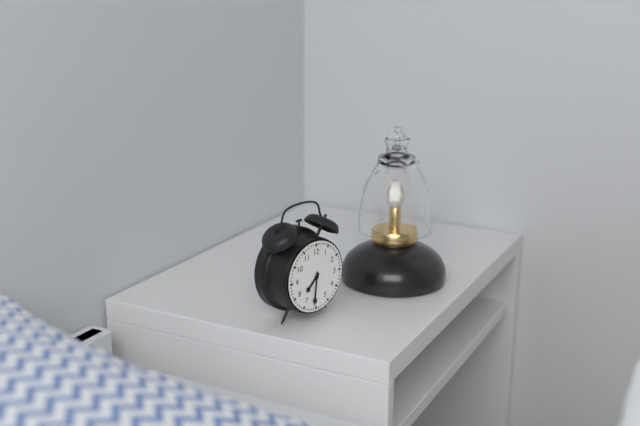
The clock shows h=7 m=31
